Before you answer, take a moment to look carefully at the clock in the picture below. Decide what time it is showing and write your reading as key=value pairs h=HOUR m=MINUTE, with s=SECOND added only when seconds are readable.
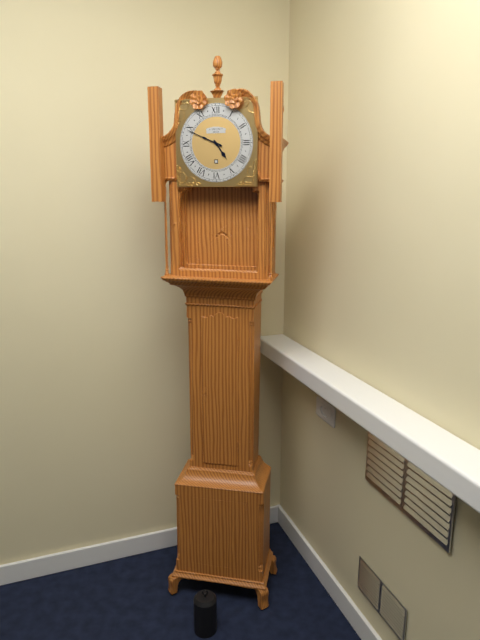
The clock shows h=4 m=49
